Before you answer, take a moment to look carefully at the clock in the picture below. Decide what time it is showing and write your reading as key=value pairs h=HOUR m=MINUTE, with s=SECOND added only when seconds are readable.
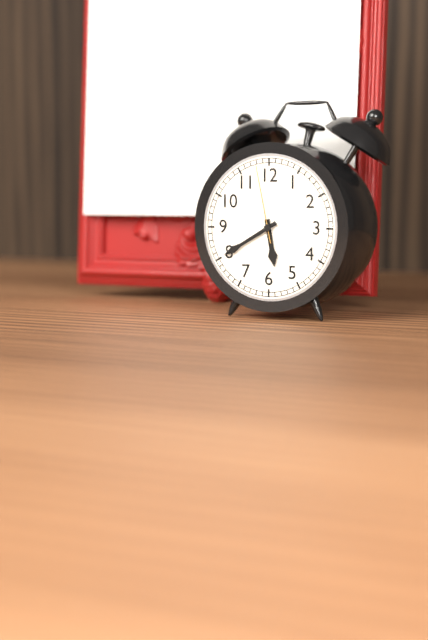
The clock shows h=5 m=40 s=58
